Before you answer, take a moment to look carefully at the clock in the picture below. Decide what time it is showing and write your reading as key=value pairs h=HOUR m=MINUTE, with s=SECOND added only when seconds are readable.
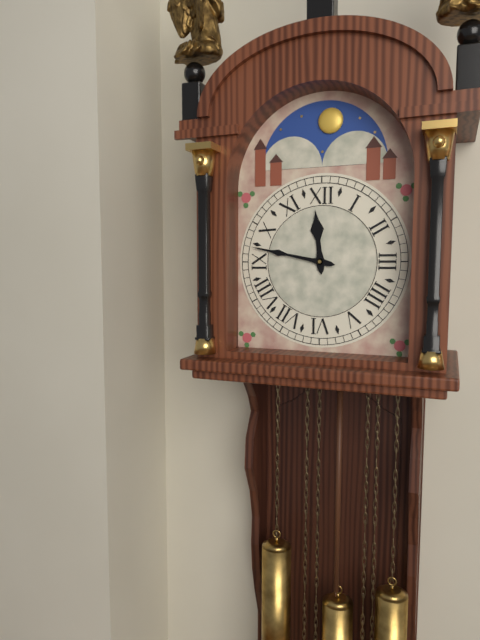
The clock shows h=11 m=47
